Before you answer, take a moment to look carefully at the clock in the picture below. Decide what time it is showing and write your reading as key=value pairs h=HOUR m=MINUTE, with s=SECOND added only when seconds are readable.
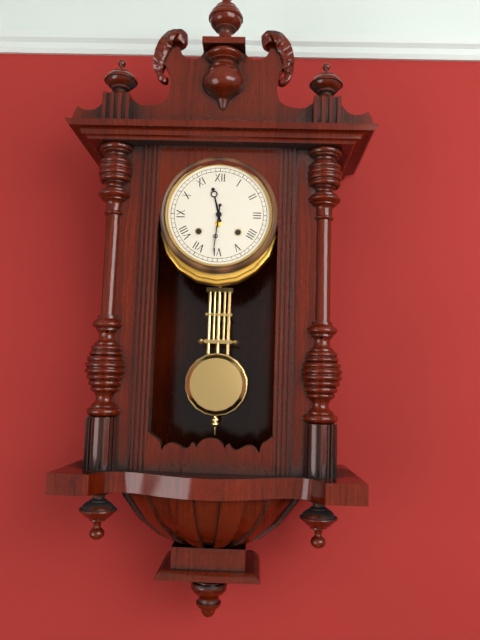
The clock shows h=11 m=31
